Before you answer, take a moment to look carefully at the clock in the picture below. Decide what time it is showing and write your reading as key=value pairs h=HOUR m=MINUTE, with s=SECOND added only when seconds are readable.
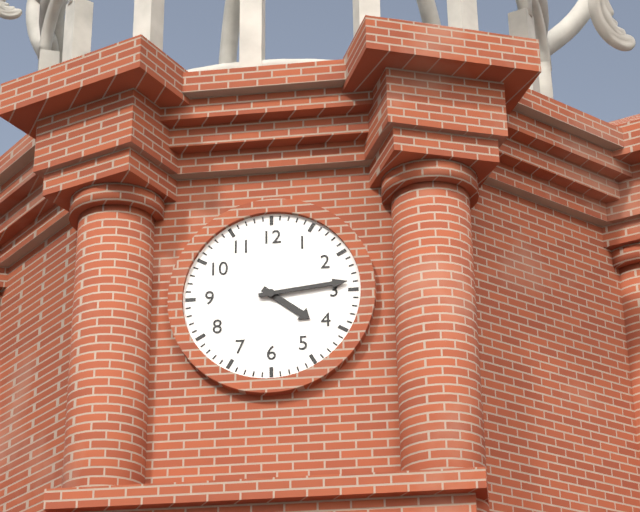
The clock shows h=4 m=14
